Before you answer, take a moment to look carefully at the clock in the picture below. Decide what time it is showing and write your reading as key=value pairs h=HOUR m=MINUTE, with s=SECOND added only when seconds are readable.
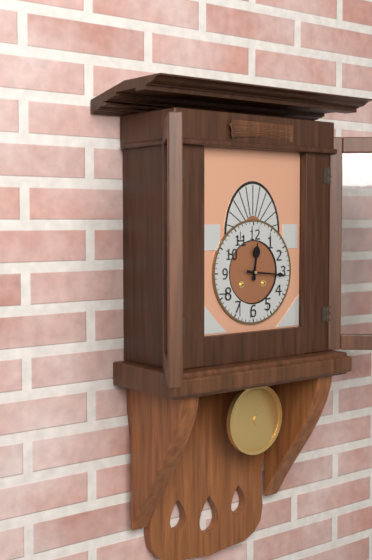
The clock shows h=12 m=16
